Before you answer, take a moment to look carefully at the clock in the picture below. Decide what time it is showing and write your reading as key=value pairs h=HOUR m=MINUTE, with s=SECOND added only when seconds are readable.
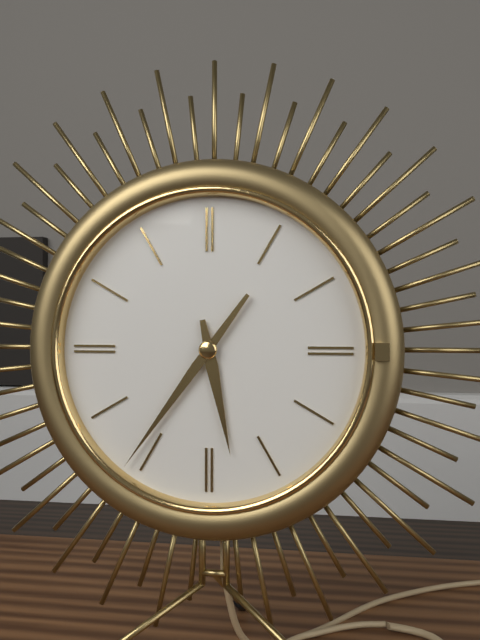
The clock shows h=5 m=36
